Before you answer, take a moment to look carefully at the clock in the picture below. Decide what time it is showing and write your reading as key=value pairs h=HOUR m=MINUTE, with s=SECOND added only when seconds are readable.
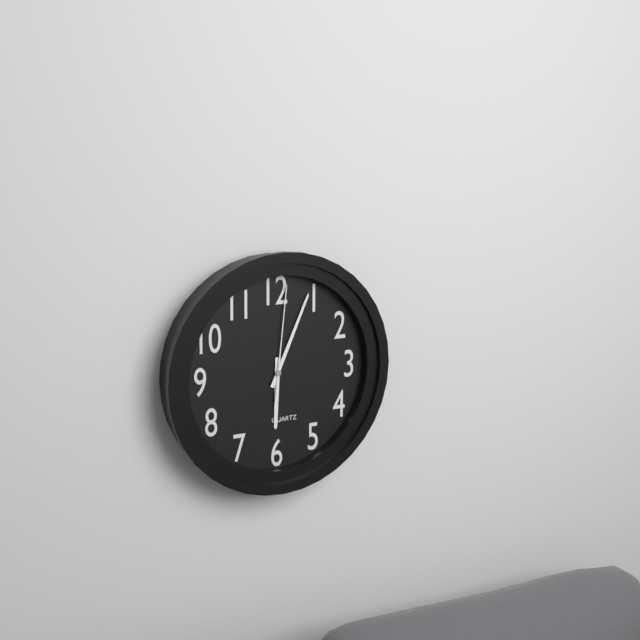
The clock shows h=6 m=4 s=1
